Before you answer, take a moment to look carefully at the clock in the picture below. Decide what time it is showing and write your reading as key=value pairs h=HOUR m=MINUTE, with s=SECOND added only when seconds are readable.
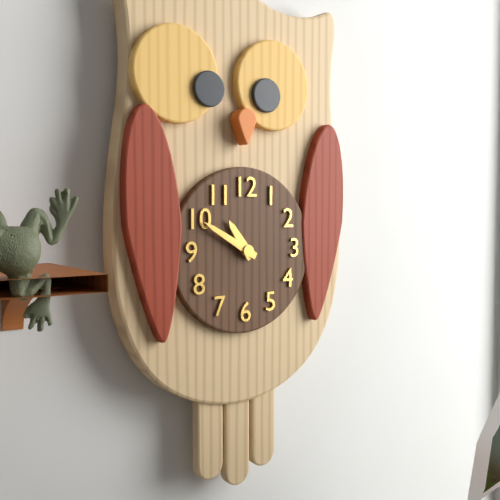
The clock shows h=10 m=50
